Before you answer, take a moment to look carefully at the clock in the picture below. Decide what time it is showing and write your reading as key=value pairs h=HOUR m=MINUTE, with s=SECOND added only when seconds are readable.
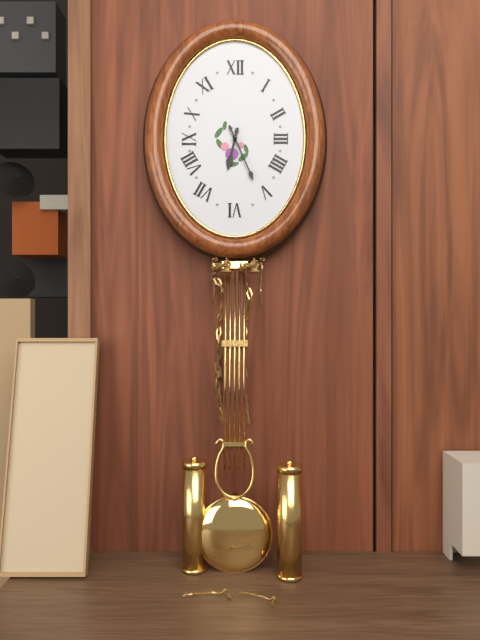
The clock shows h=6 m=26
